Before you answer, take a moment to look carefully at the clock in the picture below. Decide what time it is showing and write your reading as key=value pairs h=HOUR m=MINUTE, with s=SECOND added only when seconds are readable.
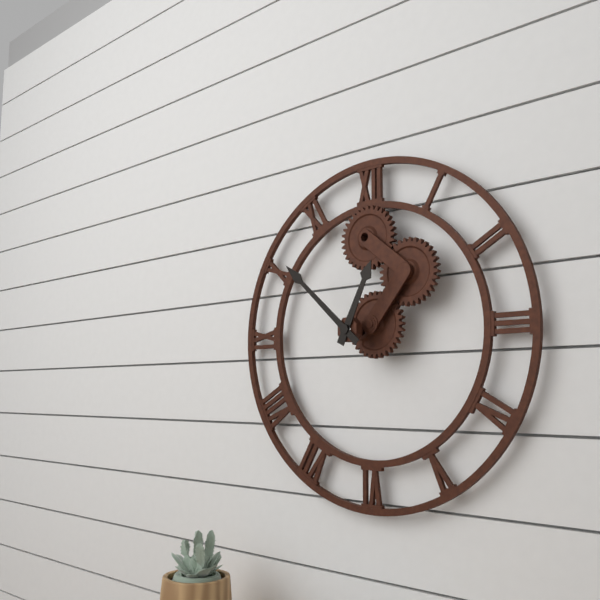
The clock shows h=12 m=52
